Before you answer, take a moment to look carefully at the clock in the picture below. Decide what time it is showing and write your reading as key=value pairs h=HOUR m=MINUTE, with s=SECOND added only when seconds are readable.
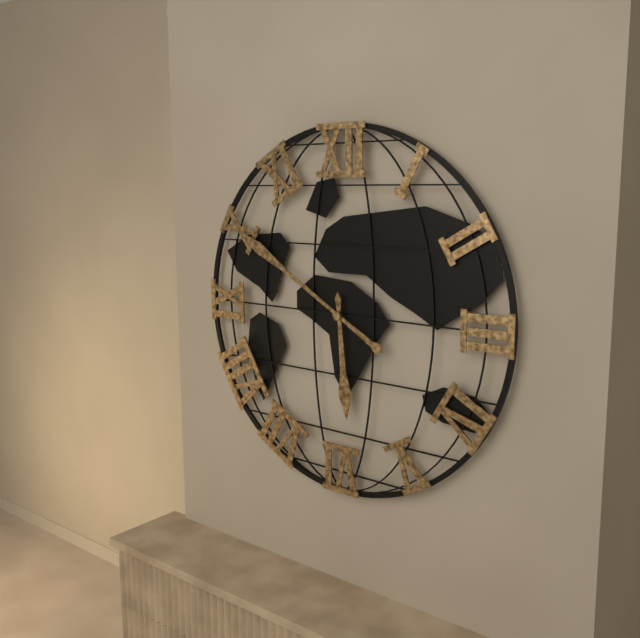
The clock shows h=5 m=50
